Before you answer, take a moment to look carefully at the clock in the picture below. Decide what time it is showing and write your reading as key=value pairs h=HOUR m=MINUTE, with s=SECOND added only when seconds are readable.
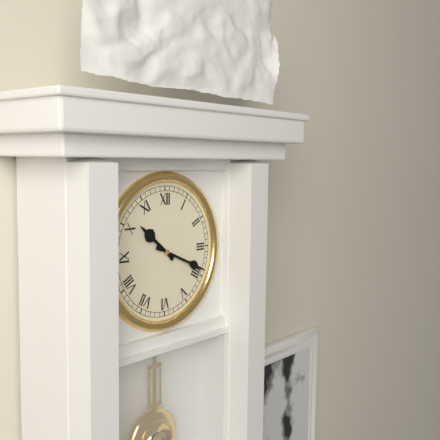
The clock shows h=10 m=19
